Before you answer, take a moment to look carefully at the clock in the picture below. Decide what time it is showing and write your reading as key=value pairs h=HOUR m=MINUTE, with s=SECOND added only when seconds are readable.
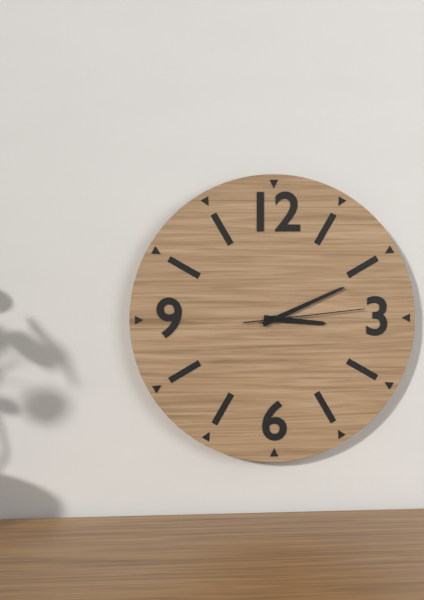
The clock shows h=3 m=11 s=14
